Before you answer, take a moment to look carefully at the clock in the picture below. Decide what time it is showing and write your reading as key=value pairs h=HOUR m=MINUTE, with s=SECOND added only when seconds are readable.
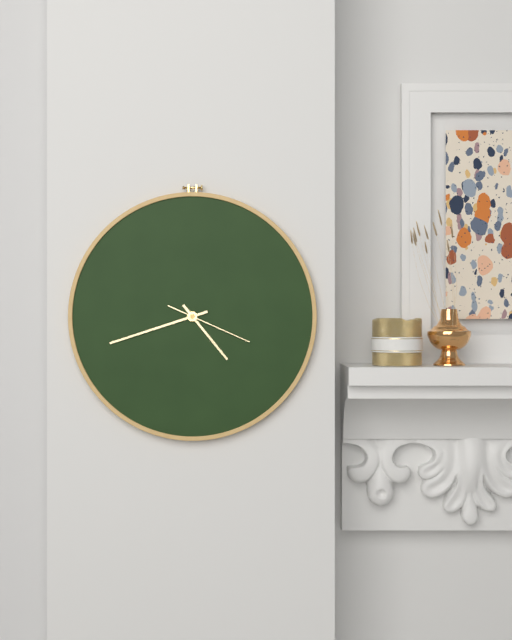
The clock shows h=4 m=42 s=19
